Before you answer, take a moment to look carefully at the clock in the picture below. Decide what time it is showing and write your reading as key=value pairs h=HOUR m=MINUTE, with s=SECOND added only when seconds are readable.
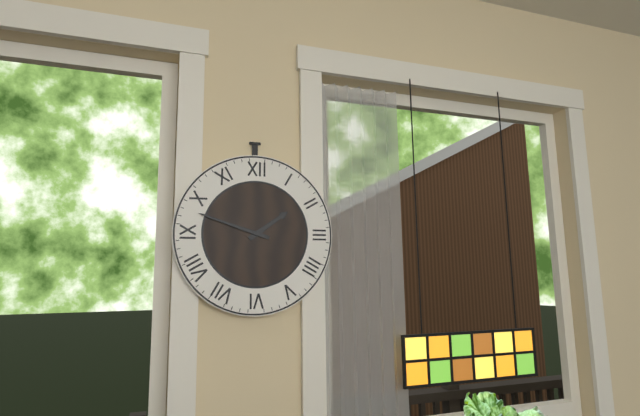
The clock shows h=1 m=48
